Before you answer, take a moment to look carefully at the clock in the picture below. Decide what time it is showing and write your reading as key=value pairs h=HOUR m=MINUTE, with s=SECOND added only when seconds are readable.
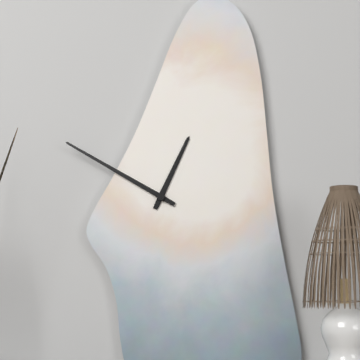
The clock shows h=12 m=50
